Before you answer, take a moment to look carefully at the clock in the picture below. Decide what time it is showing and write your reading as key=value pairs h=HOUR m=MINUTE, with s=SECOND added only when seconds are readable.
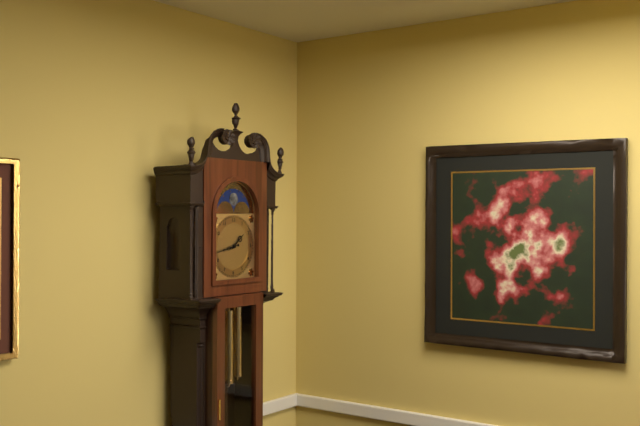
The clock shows h=1 m=43
